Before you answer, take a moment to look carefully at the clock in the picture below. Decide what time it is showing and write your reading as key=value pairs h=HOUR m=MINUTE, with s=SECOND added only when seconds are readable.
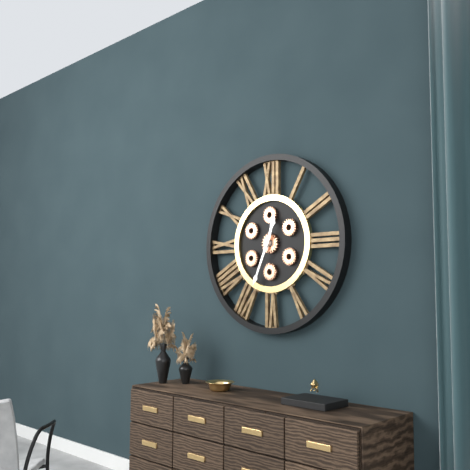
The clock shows h=12 m=34
